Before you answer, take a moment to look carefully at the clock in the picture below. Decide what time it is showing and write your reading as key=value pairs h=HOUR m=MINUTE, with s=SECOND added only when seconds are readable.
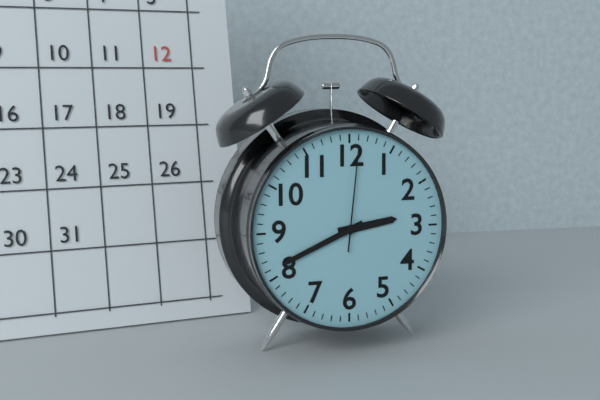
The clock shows h=2 m=41 s=1
